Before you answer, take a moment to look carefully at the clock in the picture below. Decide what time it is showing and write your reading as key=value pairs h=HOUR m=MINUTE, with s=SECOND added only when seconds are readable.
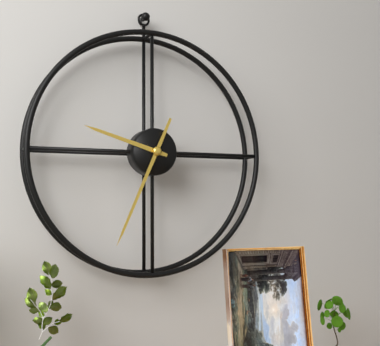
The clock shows h=9 m=34
